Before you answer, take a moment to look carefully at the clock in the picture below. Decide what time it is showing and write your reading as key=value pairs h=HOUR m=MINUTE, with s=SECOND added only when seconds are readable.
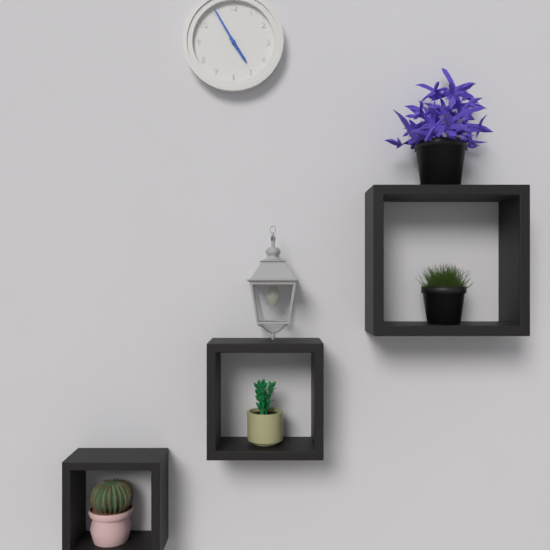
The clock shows h=4 m=55
